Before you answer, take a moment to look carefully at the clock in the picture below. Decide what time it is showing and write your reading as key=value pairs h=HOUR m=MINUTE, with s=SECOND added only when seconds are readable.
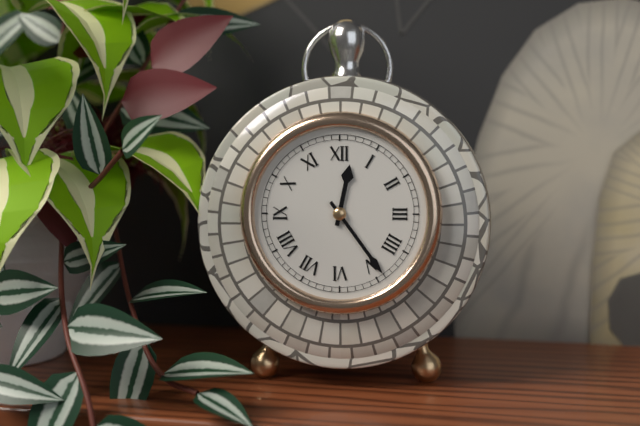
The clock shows h=12 m=24
